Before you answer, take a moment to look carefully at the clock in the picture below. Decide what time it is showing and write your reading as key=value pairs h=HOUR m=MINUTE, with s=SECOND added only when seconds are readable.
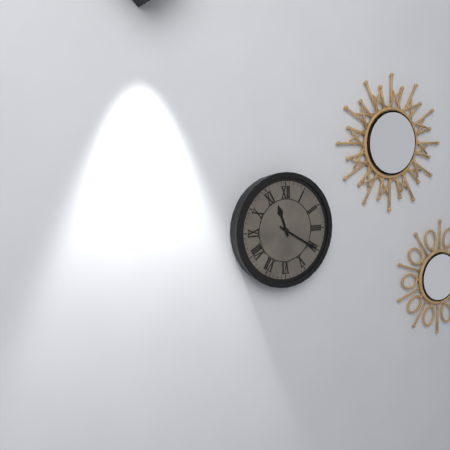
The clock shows h=11 m=20
